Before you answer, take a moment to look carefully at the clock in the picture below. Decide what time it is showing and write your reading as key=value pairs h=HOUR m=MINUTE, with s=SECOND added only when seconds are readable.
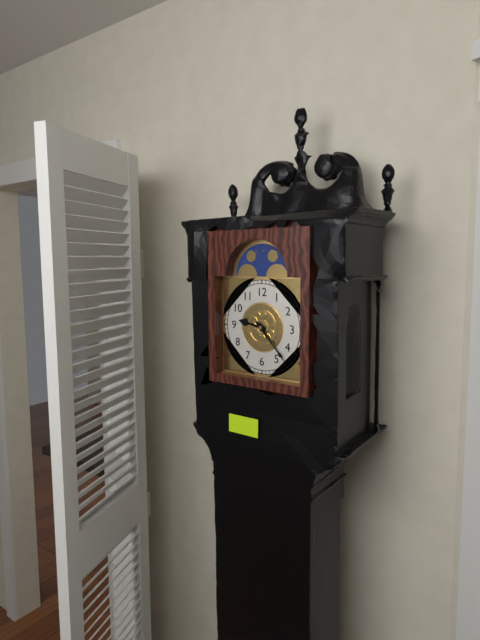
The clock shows h=9 m=23
